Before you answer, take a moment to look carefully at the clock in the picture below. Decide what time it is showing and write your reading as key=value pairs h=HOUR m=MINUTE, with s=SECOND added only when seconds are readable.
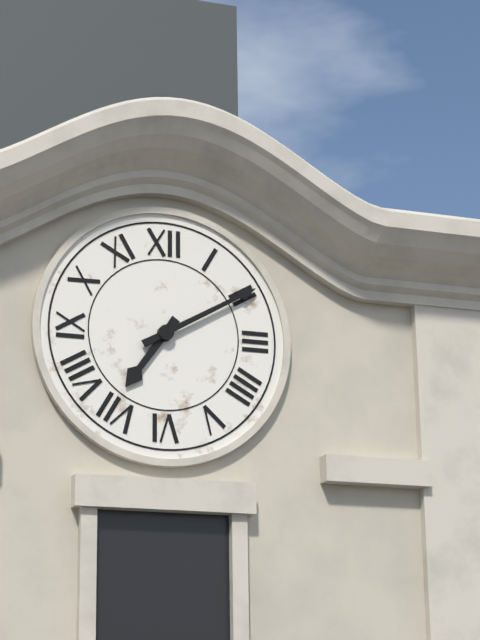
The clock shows h=7 m=10
